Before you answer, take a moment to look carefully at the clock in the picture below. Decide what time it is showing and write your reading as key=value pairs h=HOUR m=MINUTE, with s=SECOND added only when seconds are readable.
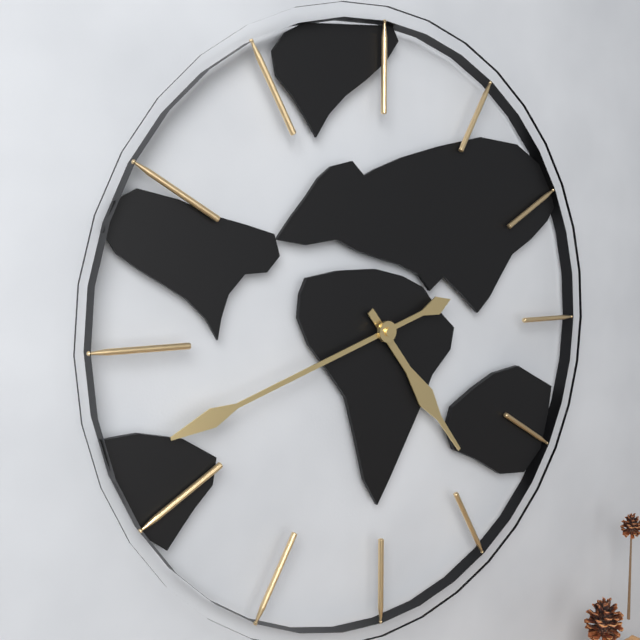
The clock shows h=4 m=42
